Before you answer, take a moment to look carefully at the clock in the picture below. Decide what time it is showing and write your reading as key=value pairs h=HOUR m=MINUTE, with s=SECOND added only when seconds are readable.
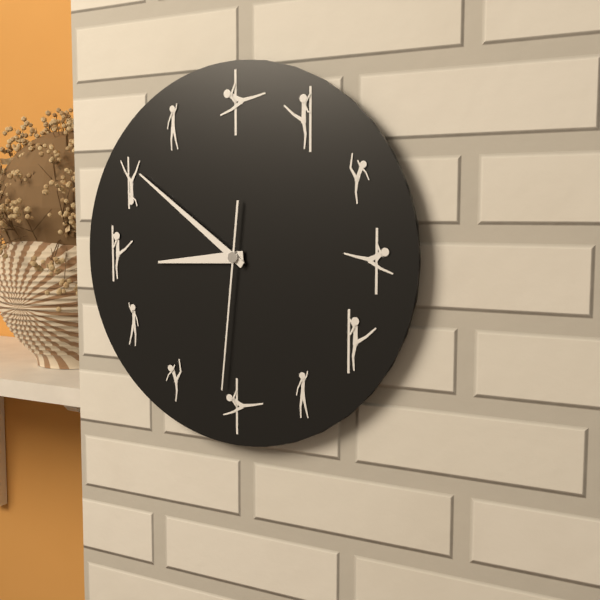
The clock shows h=8 m=51 s=31
